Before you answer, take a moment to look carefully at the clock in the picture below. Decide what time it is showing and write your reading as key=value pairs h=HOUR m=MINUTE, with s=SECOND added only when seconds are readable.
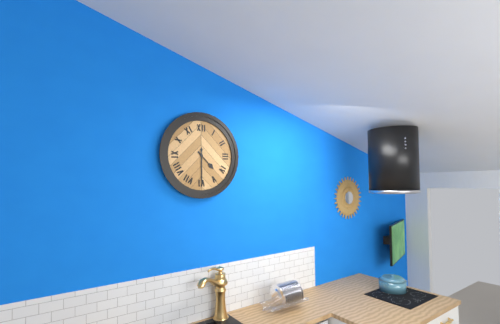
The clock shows h=4 m=30
